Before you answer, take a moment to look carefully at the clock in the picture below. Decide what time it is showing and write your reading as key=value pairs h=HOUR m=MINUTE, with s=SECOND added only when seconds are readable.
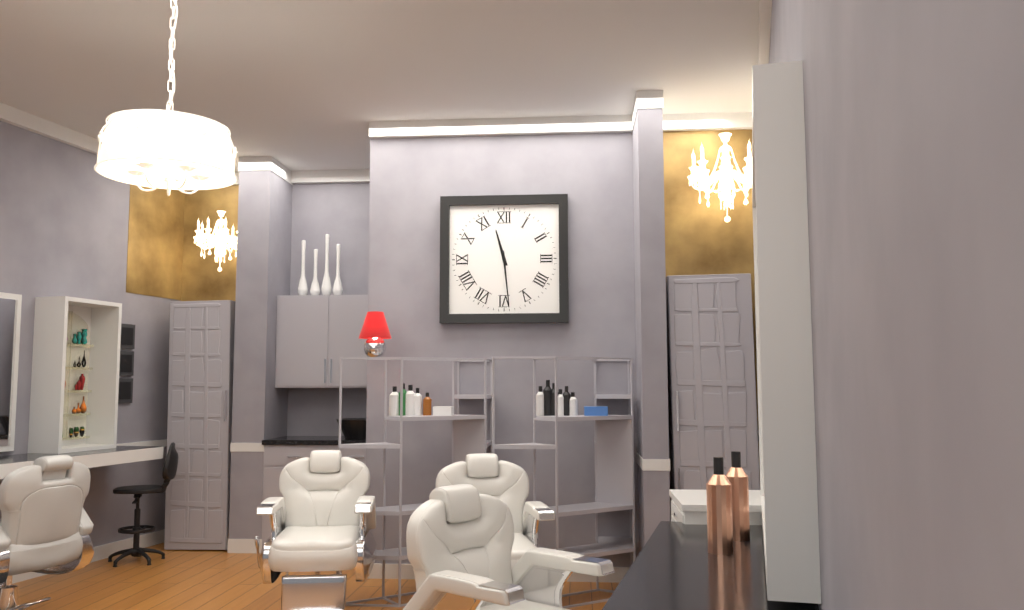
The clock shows h=11 m=29
